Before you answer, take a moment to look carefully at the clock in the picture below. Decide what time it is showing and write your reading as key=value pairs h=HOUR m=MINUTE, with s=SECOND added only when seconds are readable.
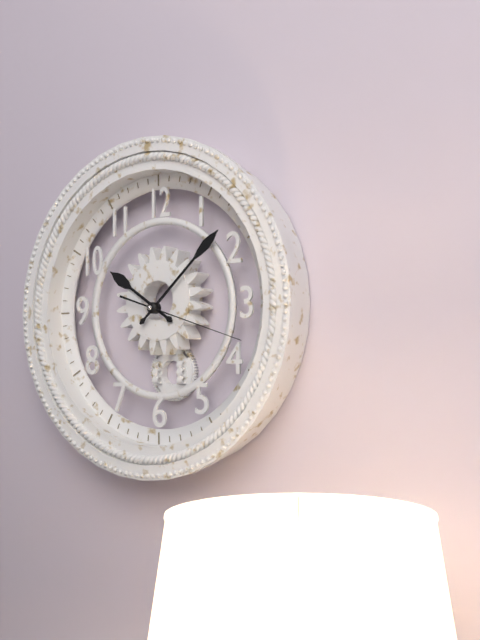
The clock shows h=10 m=8 s=18
